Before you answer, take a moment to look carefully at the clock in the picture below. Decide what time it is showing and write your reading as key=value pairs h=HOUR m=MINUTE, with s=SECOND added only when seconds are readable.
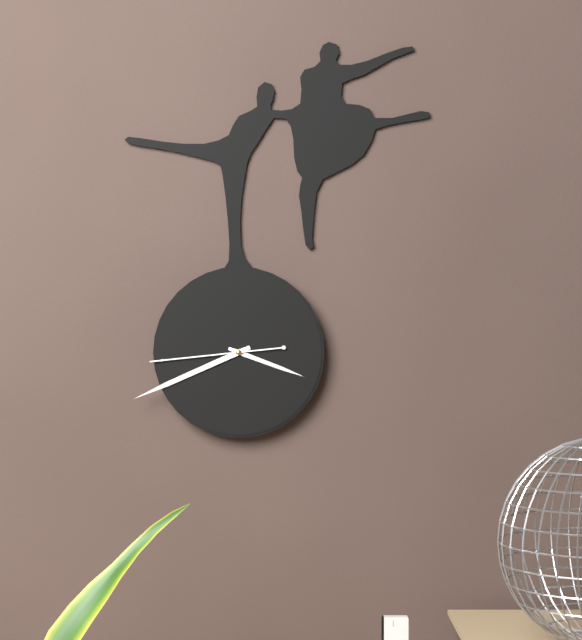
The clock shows h=3 m=41 s=44
